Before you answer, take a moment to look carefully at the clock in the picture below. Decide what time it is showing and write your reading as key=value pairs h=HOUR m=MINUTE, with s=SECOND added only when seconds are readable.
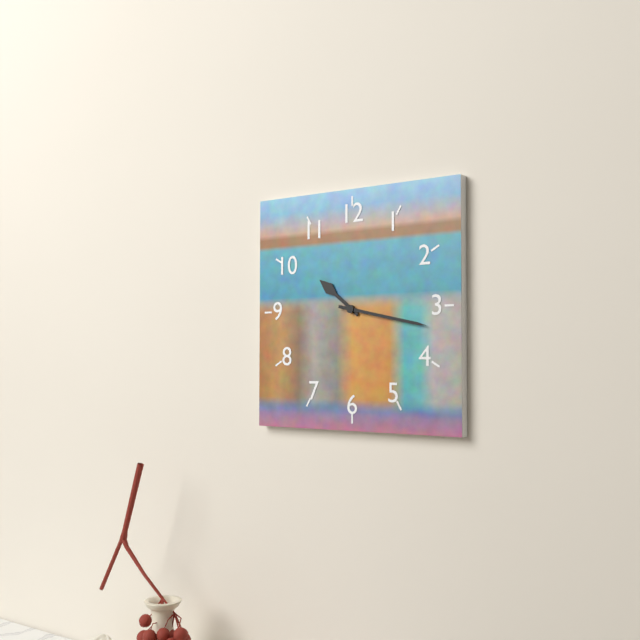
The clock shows h=10 m=17
